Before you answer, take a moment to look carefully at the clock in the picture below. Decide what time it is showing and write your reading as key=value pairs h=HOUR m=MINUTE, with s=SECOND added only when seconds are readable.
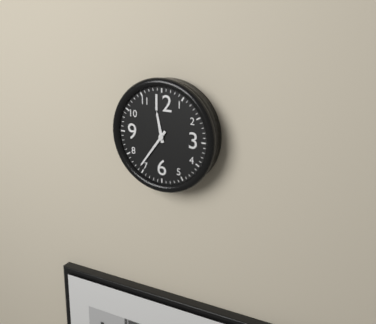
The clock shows h=11 m=36
